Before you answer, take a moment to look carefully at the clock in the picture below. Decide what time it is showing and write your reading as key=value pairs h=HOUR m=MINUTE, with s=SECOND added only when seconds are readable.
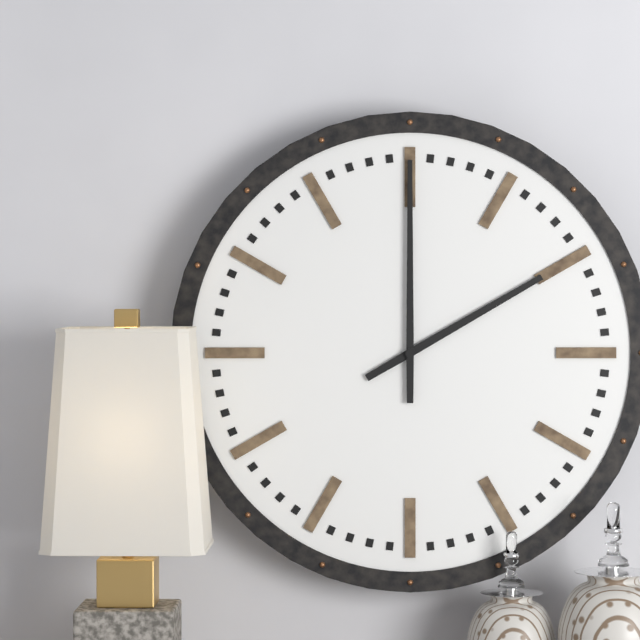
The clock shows h=2 m=0
